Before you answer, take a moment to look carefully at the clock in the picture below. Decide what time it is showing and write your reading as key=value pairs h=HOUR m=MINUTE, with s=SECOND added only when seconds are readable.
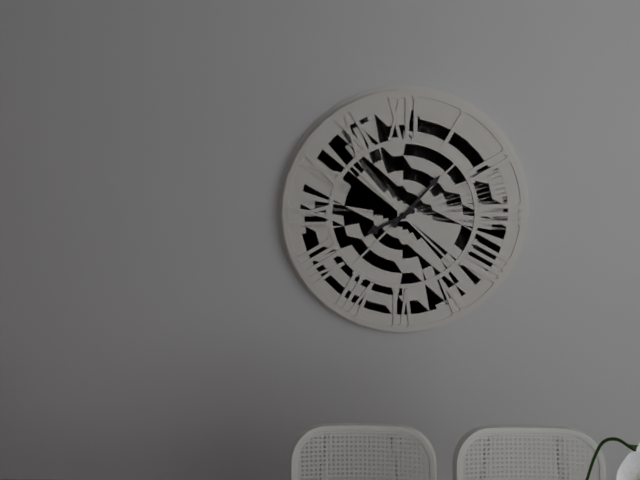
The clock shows h=8 m=7
